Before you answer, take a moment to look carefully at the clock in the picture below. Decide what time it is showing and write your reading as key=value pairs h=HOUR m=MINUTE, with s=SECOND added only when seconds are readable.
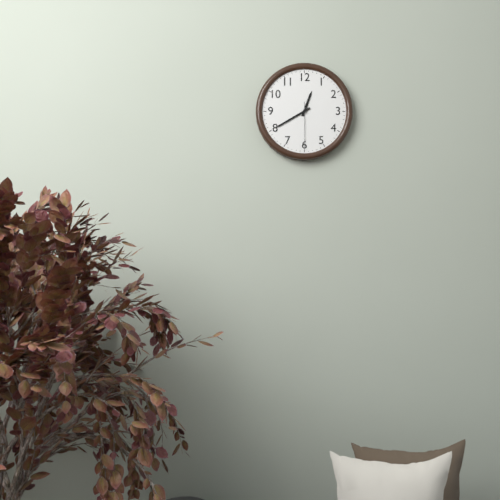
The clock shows h=12 m=40
